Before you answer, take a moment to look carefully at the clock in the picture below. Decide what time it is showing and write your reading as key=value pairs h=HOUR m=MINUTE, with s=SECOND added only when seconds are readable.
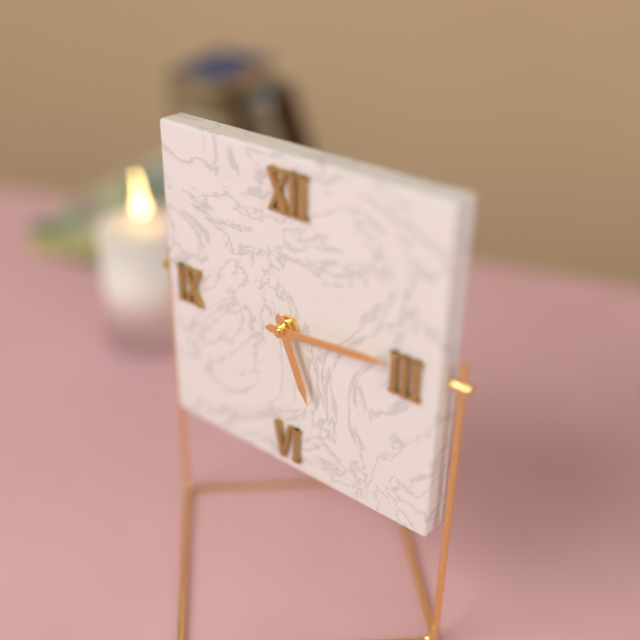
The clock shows h=5 m=14
